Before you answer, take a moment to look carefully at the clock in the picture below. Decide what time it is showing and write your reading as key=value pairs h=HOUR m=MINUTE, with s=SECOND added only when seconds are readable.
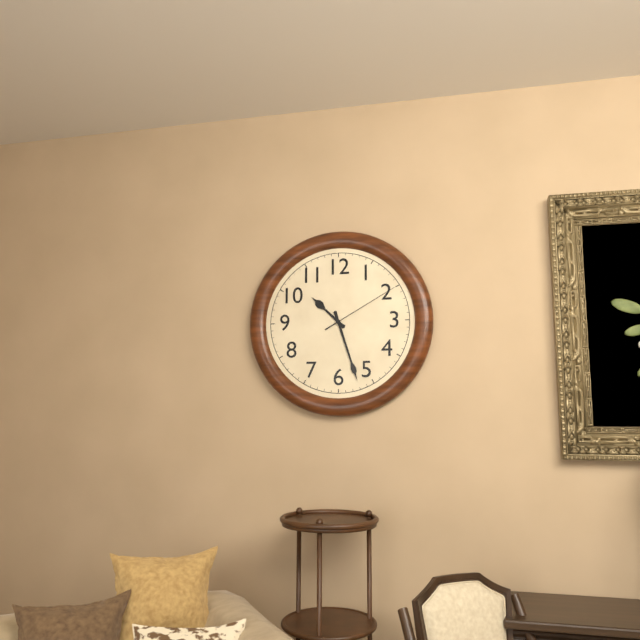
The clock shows h=10 m=27 s=10
